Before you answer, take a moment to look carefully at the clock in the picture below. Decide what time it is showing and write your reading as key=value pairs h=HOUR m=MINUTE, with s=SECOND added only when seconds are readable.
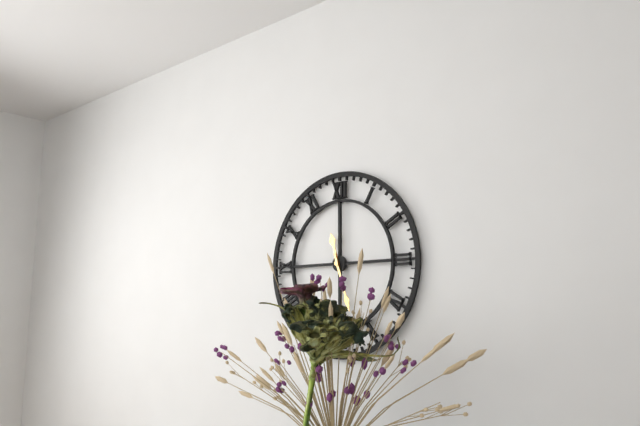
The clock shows h=11 m=27
